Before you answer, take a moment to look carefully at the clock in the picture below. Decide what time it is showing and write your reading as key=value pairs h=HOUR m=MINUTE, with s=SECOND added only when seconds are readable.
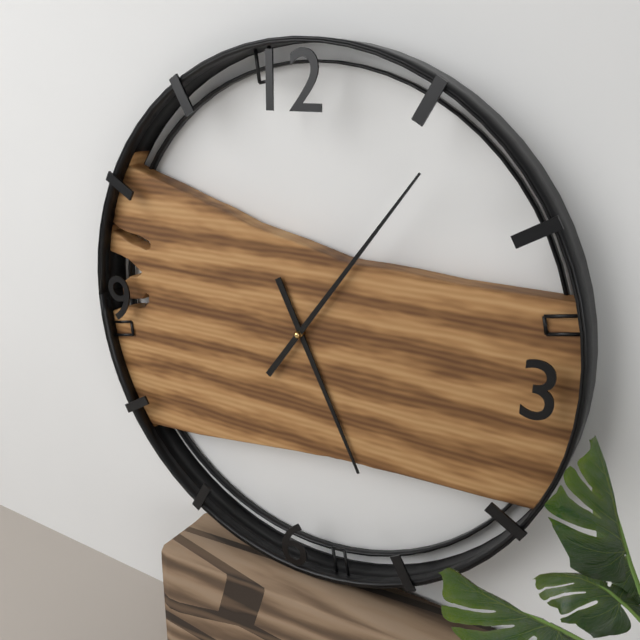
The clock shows h=5 m=6
